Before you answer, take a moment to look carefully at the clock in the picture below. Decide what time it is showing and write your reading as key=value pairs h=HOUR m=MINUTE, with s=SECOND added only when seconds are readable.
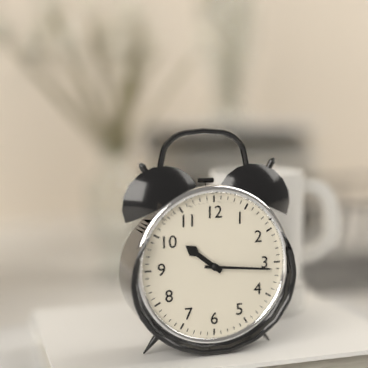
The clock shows h=10 m=16
